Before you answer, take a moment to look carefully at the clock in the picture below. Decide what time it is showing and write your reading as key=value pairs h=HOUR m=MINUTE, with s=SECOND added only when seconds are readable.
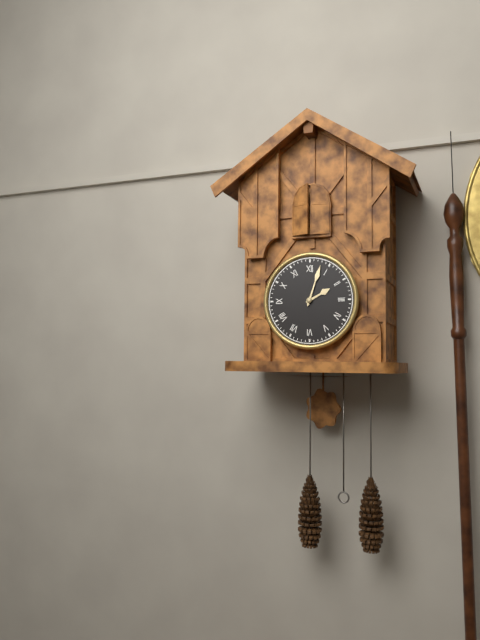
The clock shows h=2 m=3
